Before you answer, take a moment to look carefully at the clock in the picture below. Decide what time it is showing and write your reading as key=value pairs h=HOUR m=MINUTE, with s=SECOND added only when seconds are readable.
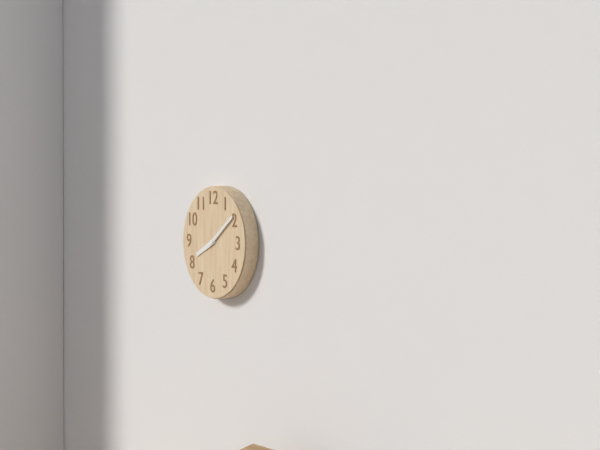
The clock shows h=8 m=9
